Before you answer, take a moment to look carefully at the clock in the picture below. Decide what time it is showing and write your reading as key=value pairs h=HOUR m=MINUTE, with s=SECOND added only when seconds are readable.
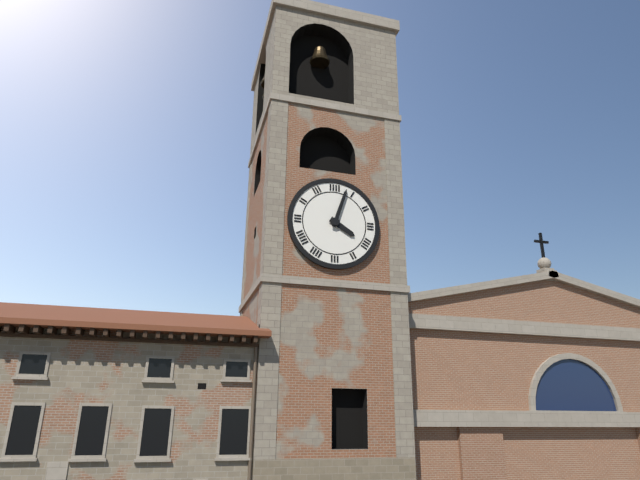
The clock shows h=4 m=3
